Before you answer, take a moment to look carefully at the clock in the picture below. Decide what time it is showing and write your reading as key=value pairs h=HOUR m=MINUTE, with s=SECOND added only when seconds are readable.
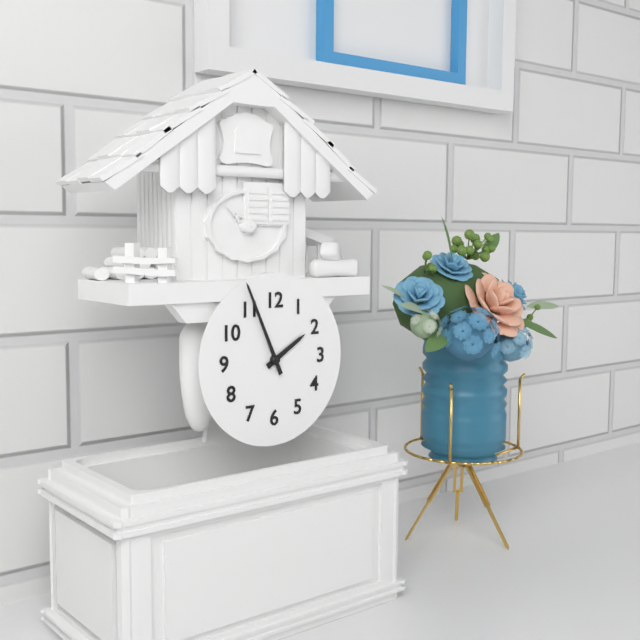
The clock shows h=1 m=56
